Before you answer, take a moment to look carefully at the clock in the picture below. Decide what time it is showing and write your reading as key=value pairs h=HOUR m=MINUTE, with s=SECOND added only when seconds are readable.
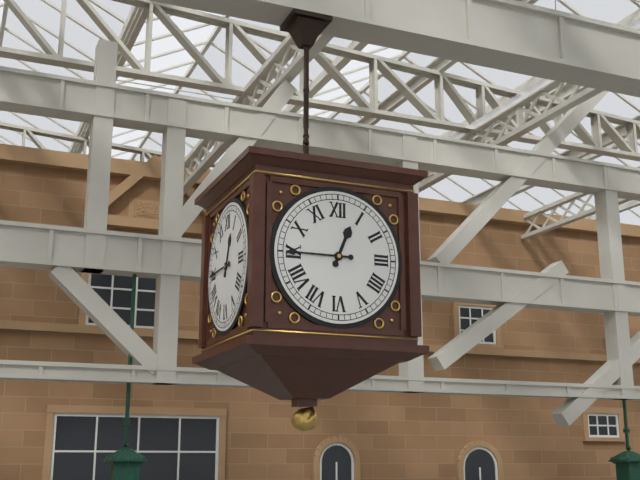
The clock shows h=12 m=45
